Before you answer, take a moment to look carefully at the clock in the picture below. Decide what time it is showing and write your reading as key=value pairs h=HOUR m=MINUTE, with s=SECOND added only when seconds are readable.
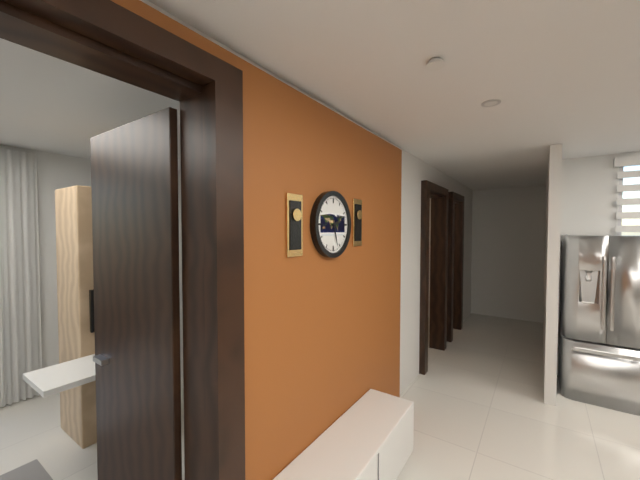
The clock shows h=2 m=27
